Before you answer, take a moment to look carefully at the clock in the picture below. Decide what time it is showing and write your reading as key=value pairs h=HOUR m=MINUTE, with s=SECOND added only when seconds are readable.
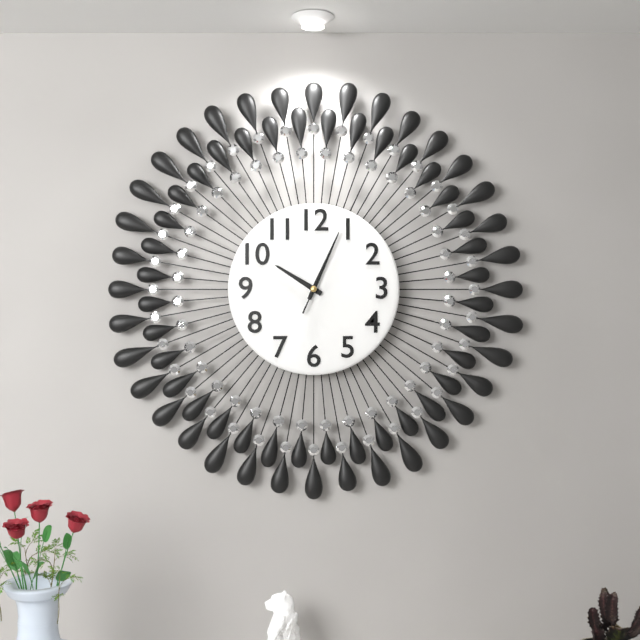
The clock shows h=10 m=4 s=4
